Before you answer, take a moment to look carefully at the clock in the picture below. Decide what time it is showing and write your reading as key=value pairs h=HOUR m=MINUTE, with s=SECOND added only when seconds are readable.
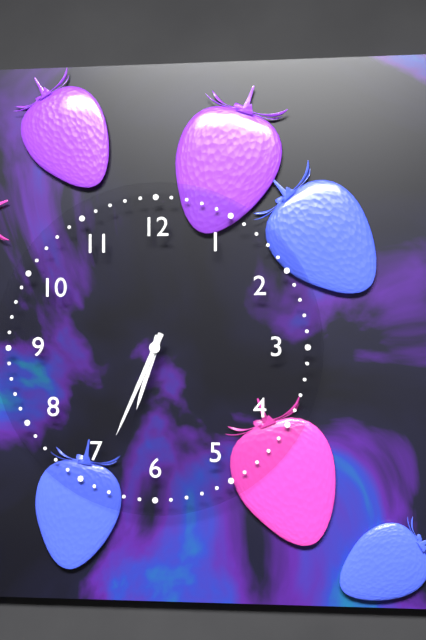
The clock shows h=6 m=34
